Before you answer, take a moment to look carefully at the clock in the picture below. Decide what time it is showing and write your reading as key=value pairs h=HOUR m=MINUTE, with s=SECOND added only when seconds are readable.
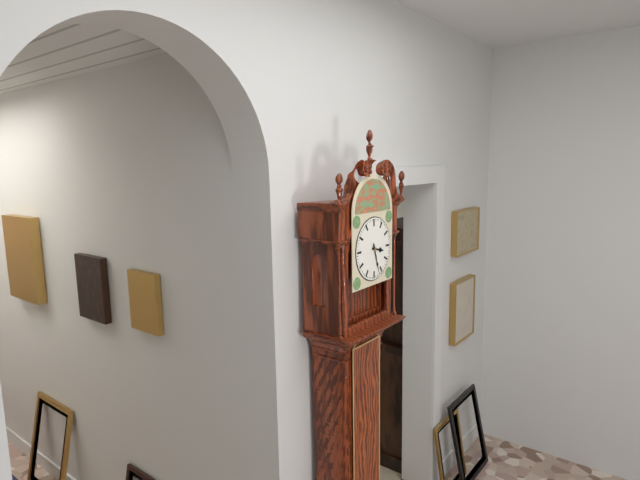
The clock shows h=3 m=27
